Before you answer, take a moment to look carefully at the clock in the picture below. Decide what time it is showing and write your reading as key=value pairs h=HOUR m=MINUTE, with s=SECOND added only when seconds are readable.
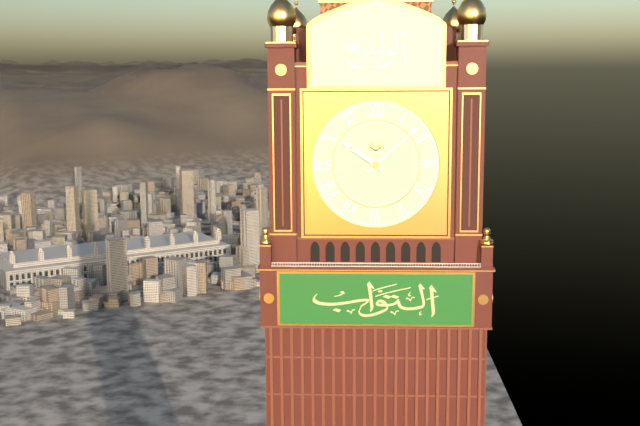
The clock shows h=10 m=8
